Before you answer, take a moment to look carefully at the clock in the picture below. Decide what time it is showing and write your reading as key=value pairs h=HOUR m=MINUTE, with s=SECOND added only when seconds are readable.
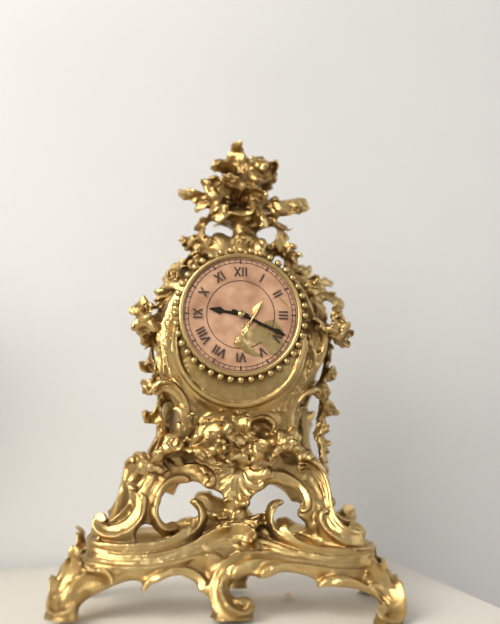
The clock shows h=9 m=19
